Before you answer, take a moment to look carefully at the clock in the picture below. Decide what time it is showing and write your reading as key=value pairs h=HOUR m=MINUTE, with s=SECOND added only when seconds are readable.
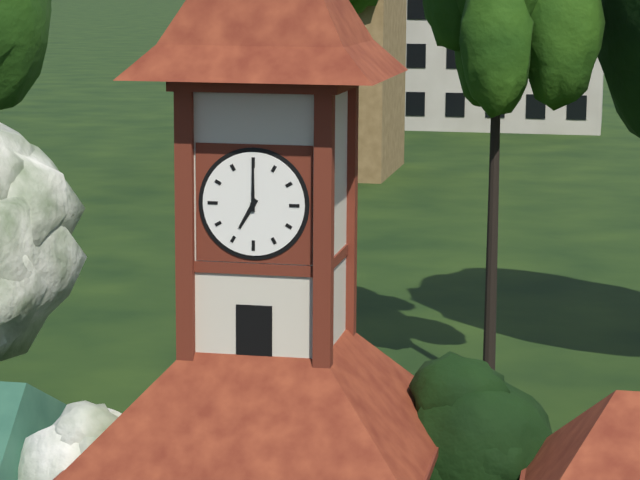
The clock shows h=7 m=0
